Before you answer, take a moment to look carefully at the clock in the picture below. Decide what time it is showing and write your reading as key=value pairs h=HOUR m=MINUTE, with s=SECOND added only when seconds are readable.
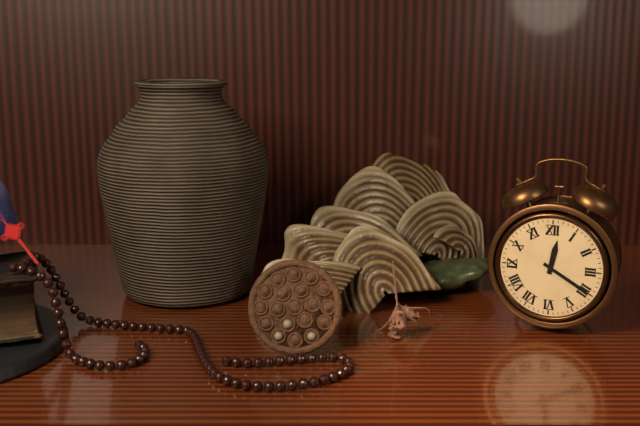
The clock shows h=12 m=20
